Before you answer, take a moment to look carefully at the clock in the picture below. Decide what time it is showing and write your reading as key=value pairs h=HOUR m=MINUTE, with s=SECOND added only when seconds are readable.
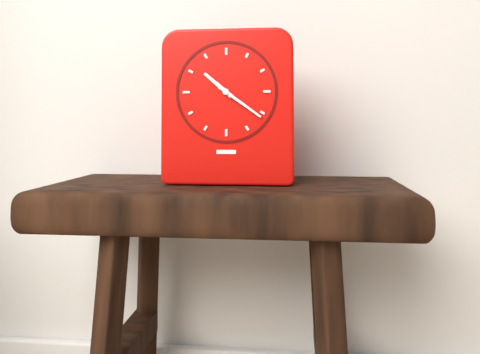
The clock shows h=10 m=21
